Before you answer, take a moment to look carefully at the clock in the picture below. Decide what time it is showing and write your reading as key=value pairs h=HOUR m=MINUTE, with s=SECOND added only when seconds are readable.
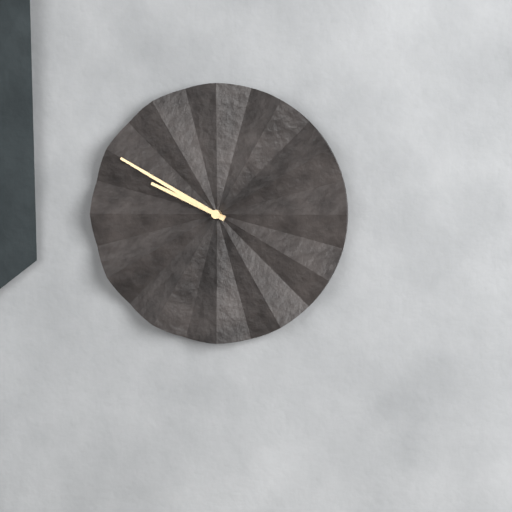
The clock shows h=9 m=50
